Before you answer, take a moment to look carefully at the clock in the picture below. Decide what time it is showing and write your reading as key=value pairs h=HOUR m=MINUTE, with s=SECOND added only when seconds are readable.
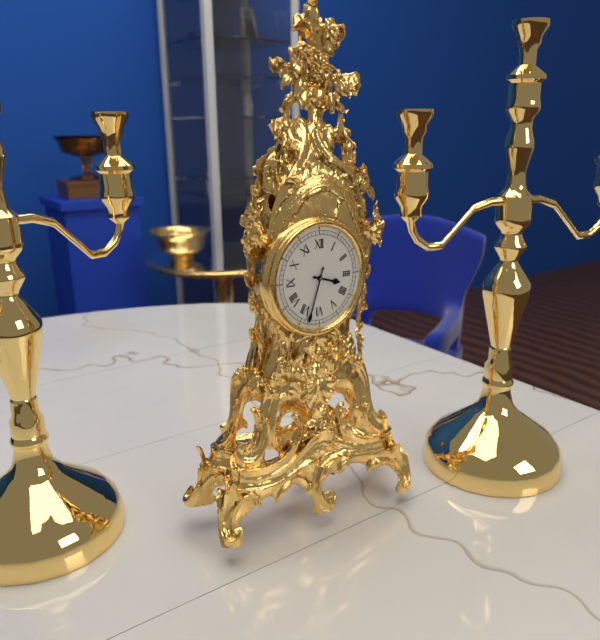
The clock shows h=3 m=33
